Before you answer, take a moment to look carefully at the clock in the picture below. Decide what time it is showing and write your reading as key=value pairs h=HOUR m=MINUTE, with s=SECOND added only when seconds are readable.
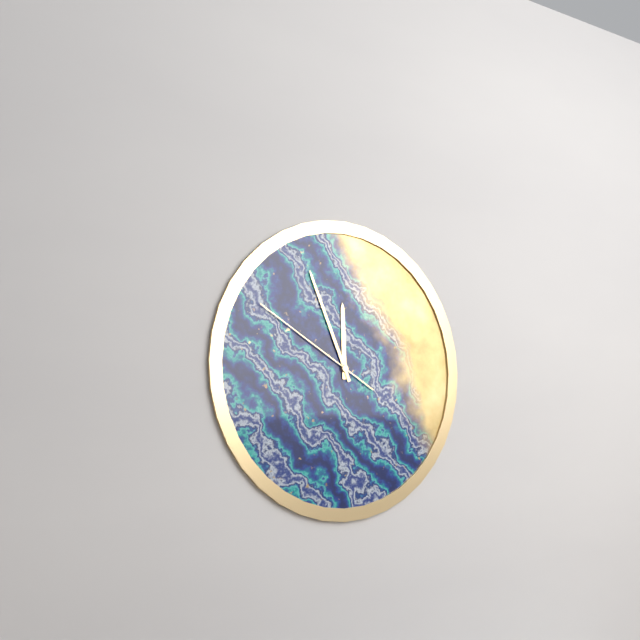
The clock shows h=11 m=56 s=50
